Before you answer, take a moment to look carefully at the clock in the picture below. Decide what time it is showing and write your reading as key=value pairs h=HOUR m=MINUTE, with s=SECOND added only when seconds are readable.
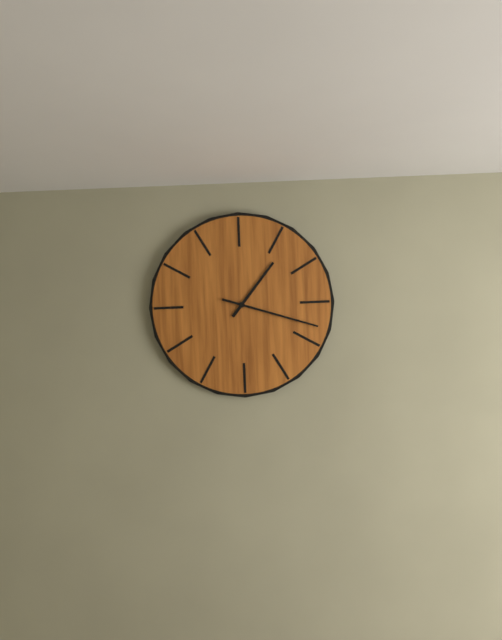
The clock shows h=1 m=18
